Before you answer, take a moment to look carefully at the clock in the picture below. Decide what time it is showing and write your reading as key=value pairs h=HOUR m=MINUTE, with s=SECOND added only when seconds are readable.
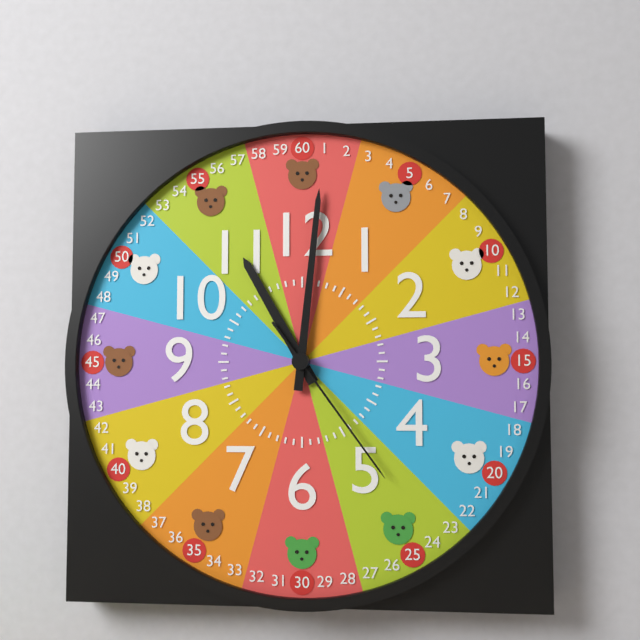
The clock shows h=11 m=1 s=24
